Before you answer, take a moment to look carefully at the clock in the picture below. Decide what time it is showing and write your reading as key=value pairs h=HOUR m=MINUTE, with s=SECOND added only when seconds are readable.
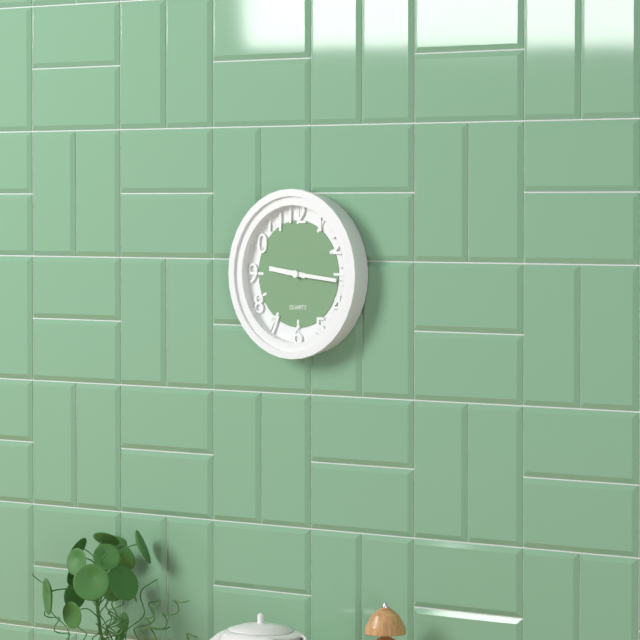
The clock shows h=9 m=16
